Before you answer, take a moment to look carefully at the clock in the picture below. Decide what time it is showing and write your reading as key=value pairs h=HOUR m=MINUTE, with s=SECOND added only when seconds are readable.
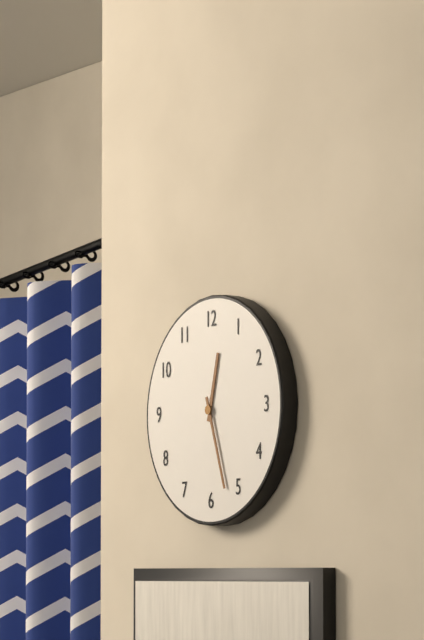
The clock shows h=12 m=27
